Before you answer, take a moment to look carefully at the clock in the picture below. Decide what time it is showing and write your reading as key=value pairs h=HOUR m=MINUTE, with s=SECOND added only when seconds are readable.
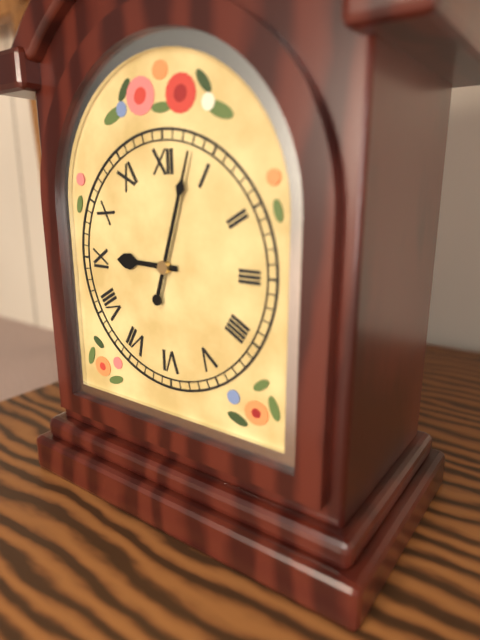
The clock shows h=9 m=3
